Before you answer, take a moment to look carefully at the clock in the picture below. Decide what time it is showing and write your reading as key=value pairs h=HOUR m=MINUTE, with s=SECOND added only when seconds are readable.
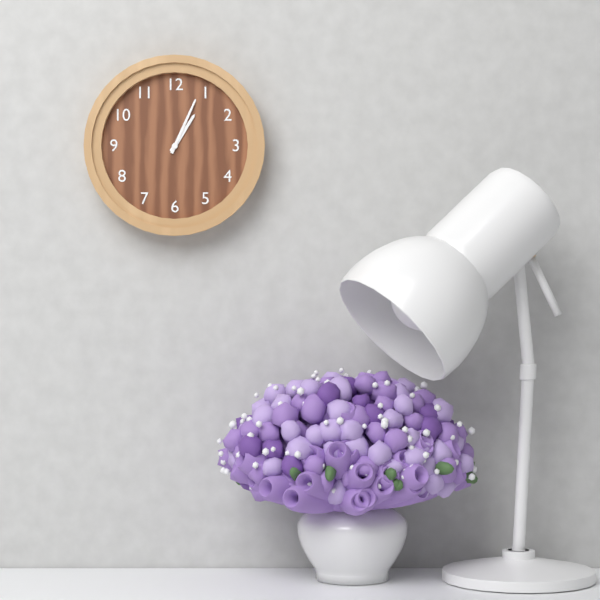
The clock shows h=1 m=4
